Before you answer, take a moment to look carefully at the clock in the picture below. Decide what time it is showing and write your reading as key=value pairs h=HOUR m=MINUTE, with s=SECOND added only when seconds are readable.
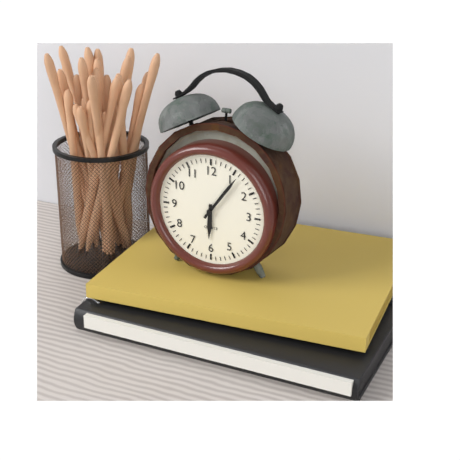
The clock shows h=6 m=6
